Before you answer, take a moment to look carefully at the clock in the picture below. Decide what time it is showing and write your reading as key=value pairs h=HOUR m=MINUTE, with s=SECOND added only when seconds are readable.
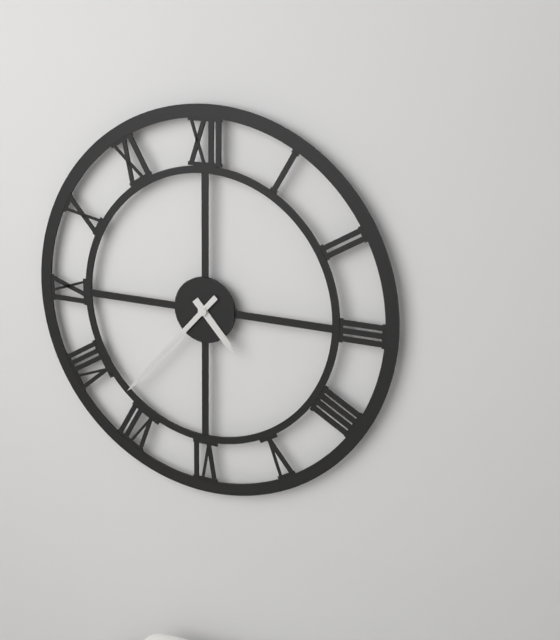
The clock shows h=4 m=37
